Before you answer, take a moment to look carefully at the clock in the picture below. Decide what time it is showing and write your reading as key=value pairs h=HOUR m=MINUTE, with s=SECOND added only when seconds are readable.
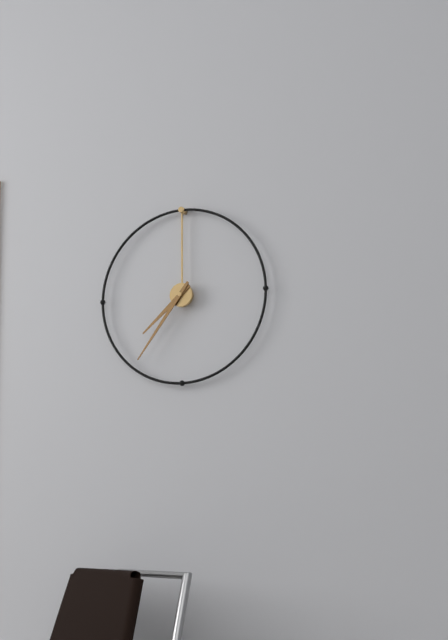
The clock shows h=7 m=36
